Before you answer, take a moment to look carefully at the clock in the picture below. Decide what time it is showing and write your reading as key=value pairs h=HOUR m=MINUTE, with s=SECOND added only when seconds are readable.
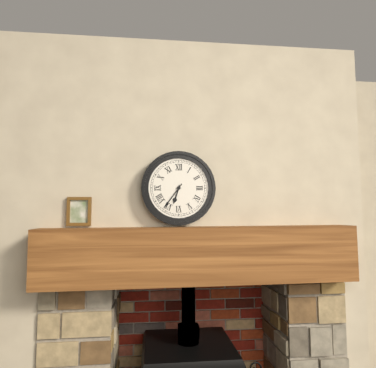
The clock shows h=6 m=36
